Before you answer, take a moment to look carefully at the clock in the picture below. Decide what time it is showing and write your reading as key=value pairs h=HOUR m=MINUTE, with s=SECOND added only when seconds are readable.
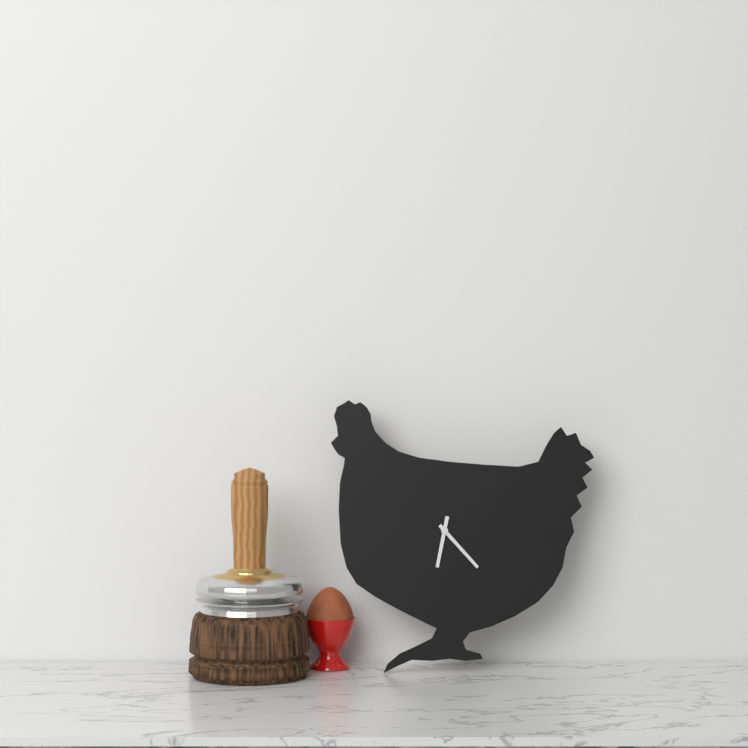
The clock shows h=6 m=23
